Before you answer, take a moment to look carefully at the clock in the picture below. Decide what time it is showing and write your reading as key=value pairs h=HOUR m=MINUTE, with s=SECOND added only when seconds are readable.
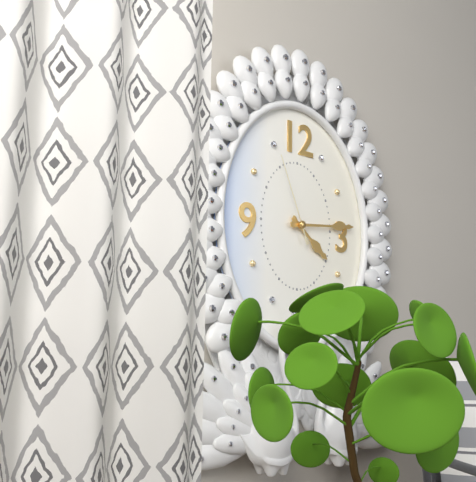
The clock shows h=4 m=14 s=56
